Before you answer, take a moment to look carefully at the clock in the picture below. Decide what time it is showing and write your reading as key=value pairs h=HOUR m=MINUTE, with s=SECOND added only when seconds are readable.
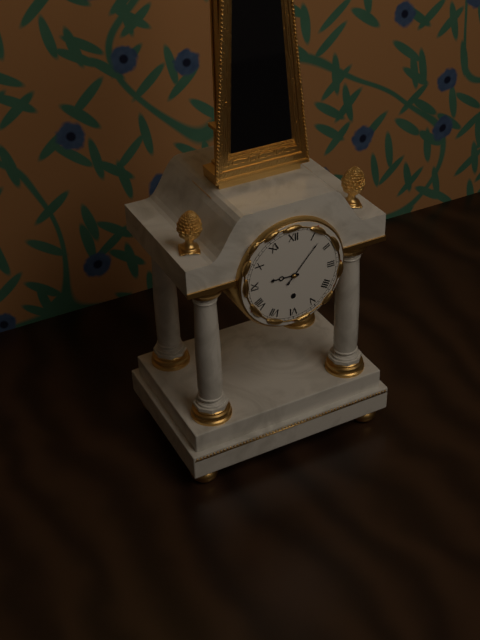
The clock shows h=9 m=7
